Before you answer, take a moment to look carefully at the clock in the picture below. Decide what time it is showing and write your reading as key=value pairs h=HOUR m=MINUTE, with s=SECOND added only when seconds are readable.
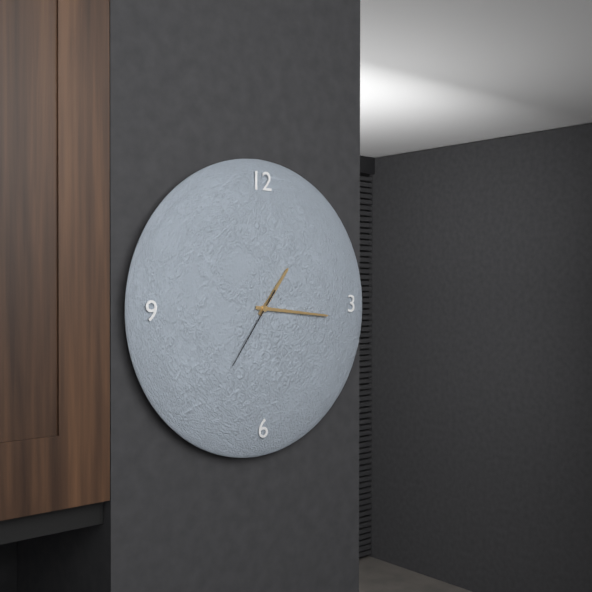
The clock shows h=1 m=16 s=36
